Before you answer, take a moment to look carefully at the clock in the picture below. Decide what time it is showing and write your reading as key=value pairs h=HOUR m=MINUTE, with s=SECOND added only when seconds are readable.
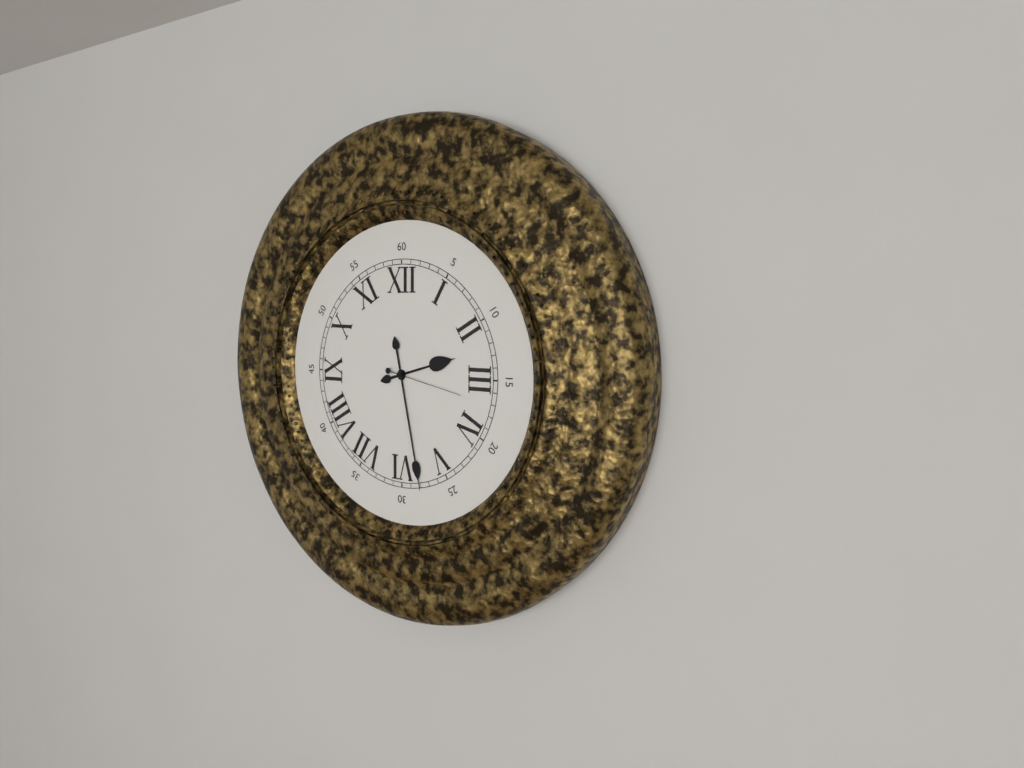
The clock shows h=2 m=28 s=17
